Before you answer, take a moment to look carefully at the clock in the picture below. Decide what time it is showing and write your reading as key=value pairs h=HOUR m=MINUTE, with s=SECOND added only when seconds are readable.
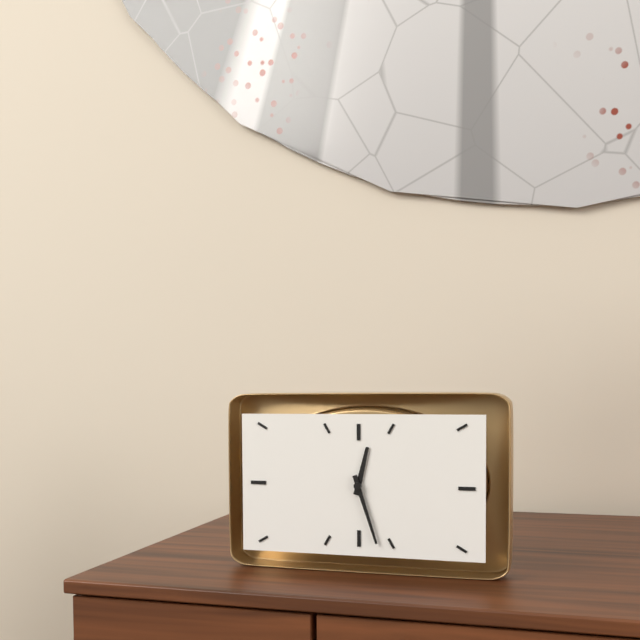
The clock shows h=12 m=27
